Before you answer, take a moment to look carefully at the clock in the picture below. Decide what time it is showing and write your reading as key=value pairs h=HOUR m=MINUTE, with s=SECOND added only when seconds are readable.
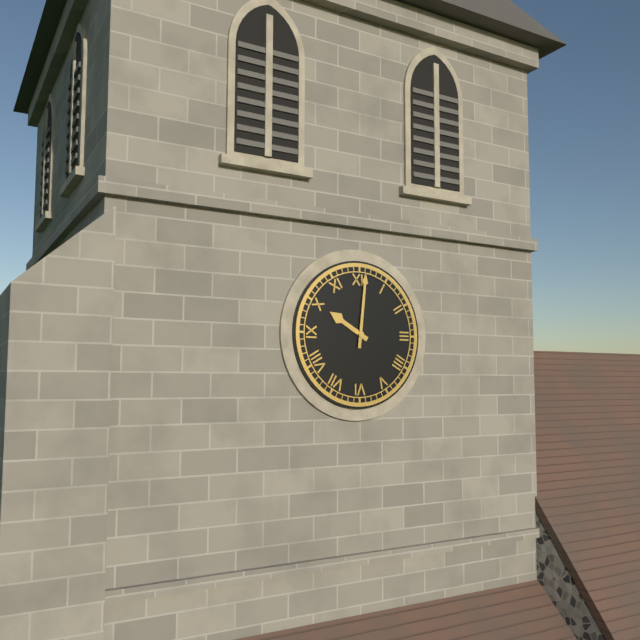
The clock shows h=10 m=1
